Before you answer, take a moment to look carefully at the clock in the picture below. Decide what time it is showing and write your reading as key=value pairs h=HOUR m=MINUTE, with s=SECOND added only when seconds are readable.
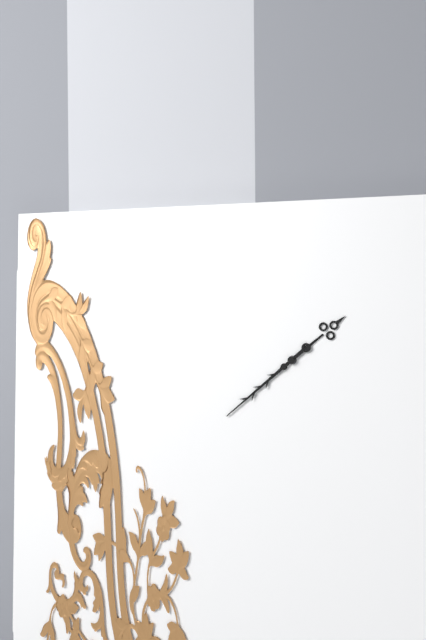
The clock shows h=1 m=38
